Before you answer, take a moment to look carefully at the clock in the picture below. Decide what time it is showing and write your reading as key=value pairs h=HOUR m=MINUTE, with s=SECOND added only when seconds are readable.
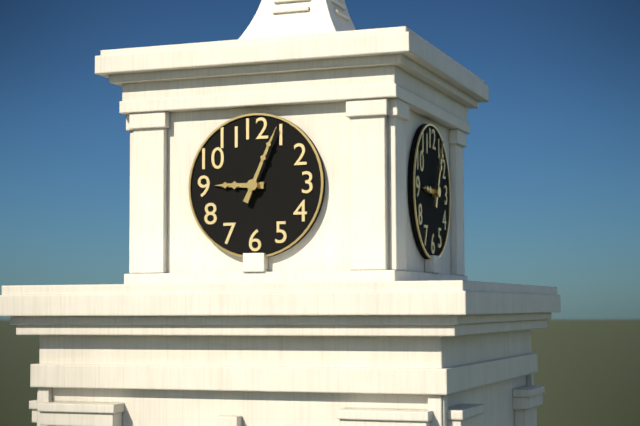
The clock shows h=9 m=4
